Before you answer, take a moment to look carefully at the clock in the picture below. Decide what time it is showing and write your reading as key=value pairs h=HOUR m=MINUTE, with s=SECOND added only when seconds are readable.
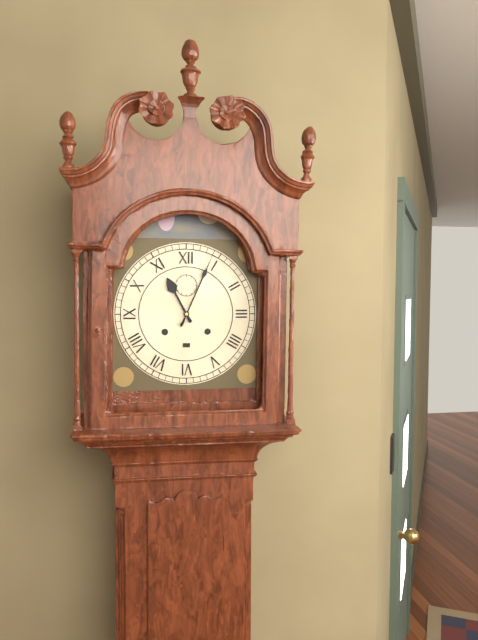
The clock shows h=11 m=4
